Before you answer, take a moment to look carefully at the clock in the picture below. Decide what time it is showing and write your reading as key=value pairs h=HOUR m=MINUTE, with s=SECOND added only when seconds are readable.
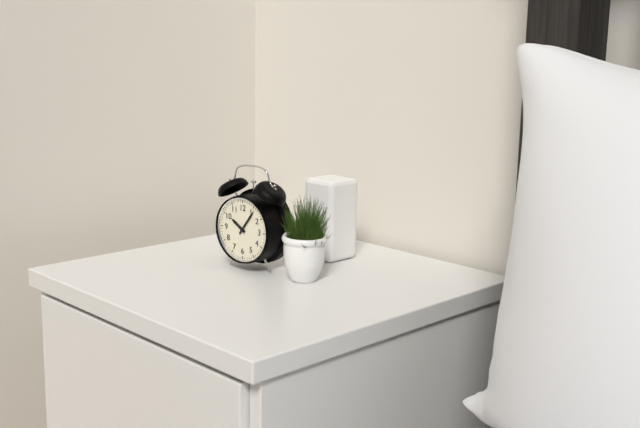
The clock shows h=10 m=6
